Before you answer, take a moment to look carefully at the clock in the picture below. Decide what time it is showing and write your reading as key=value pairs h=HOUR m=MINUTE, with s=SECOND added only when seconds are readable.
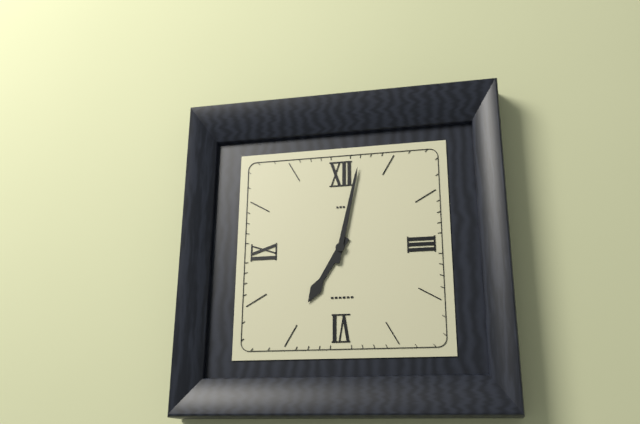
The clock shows h=7 m=2
